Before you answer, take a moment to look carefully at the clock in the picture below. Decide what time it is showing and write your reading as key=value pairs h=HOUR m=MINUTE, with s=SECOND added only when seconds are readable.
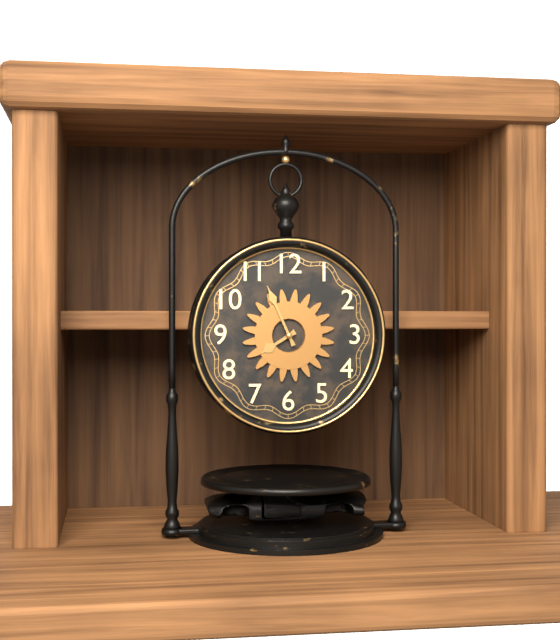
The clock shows h=7 m=56
